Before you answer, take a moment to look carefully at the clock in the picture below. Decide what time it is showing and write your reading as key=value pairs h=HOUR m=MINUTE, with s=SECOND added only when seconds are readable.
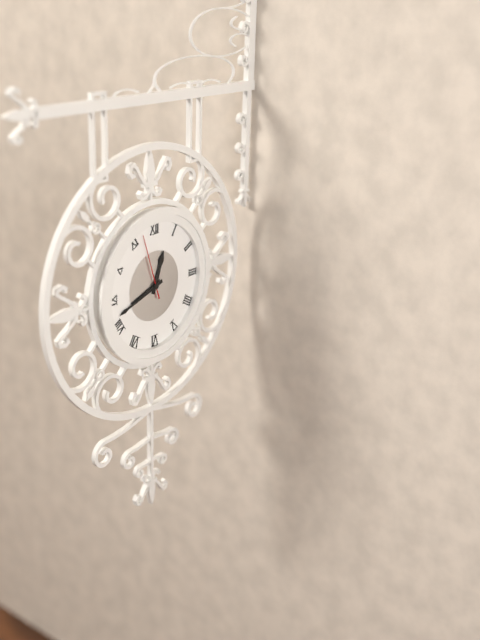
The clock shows h=12 m=42 s=57
